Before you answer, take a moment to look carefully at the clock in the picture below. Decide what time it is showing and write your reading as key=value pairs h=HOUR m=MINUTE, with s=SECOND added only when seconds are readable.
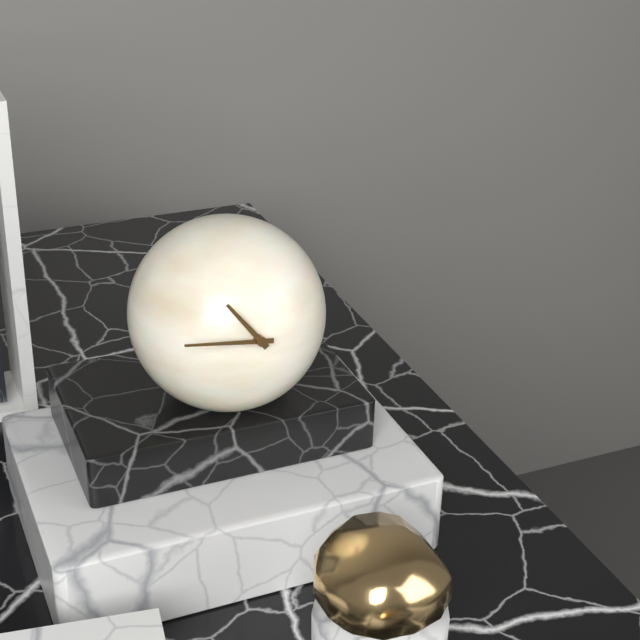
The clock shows h=10 m=46
